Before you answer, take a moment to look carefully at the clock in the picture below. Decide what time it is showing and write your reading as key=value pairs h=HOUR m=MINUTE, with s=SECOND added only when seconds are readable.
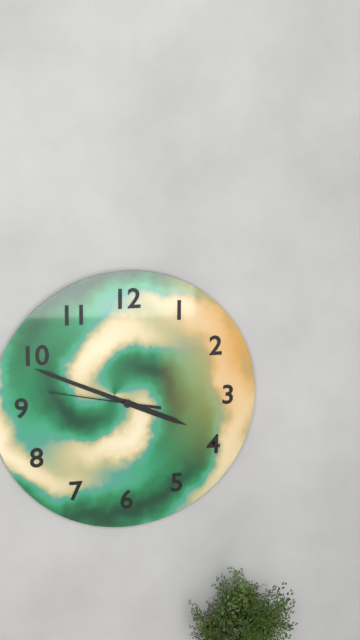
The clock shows h=3 m=49 s=47
